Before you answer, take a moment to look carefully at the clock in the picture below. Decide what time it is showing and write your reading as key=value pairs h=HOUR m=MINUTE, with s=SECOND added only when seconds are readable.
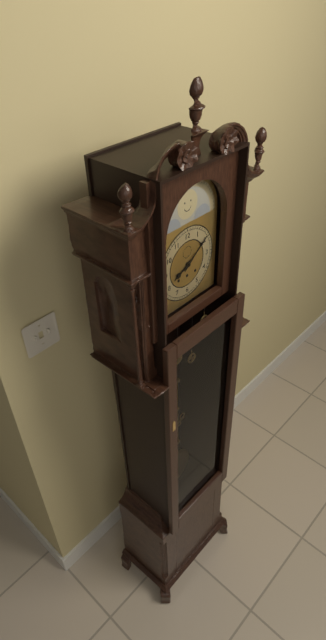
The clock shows h=8 m=9
